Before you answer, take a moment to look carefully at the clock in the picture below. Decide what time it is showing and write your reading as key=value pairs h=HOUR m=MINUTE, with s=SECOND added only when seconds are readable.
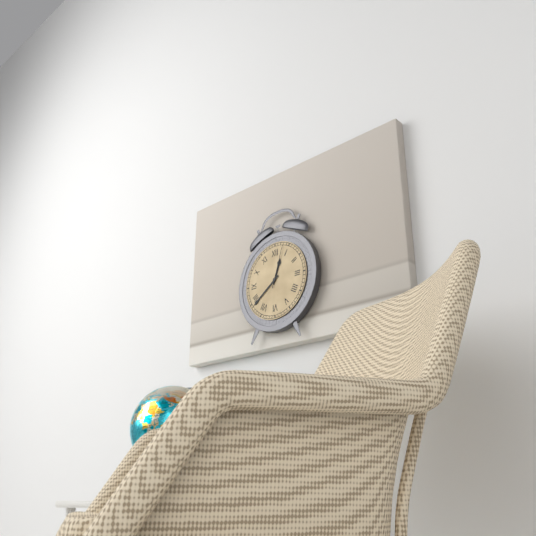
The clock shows h=12 m=39
